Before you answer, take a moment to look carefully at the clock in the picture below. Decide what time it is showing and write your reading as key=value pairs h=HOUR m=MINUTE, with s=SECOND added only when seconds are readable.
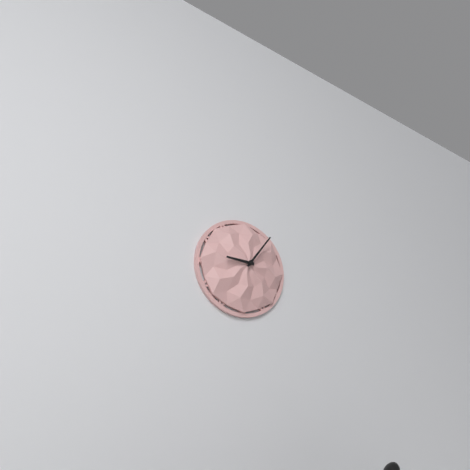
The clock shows h=9 m=6
